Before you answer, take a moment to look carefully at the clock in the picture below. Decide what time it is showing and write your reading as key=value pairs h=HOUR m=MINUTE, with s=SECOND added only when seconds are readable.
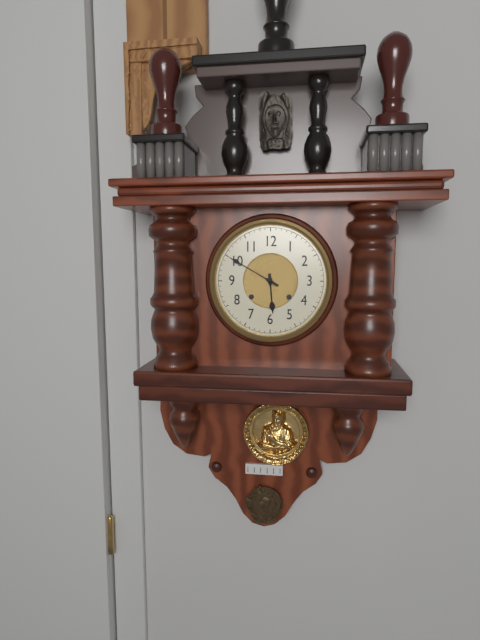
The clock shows h=5 m=50
